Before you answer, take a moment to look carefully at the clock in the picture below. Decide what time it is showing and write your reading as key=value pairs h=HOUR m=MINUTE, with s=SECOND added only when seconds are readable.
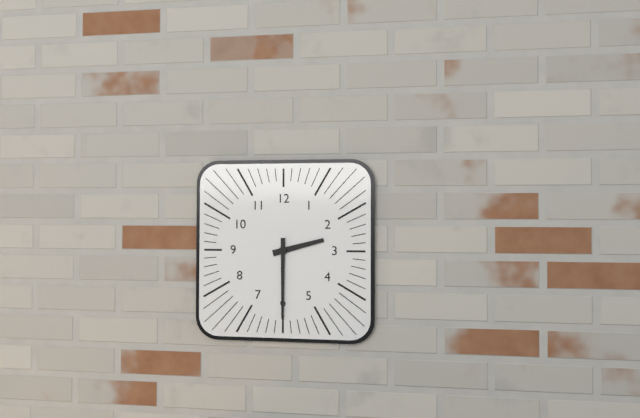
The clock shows h=2 m=30
